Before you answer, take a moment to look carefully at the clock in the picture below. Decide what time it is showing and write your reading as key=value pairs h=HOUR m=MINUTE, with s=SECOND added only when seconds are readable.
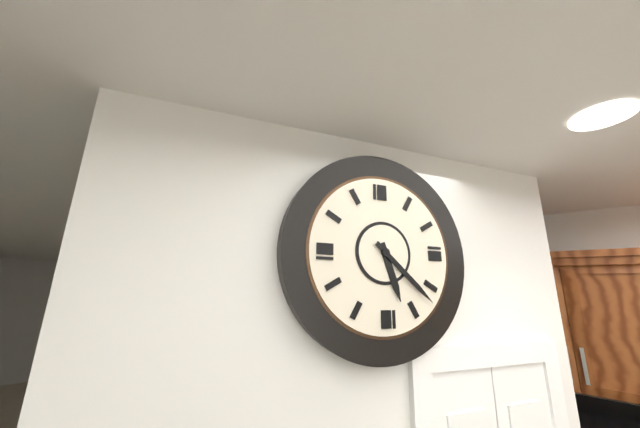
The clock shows h=5 m=22
